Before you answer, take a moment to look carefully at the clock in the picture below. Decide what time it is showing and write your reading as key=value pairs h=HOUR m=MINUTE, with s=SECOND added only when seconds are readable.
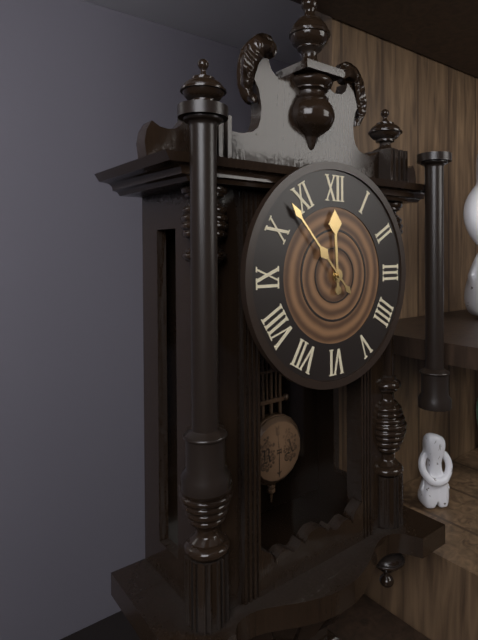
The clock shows h=11 m=53
